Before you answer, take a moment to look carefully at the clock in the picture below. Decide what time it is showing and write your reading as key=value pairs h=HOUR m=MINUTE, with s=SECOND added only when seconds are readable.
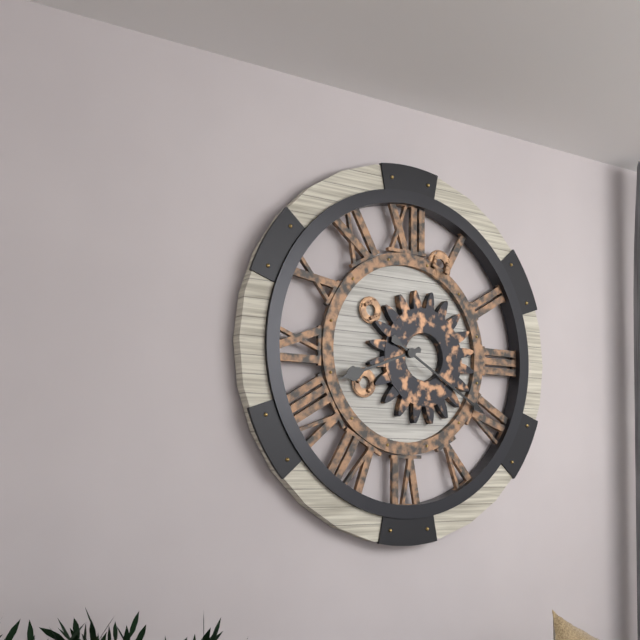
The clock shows h=8 m=20
